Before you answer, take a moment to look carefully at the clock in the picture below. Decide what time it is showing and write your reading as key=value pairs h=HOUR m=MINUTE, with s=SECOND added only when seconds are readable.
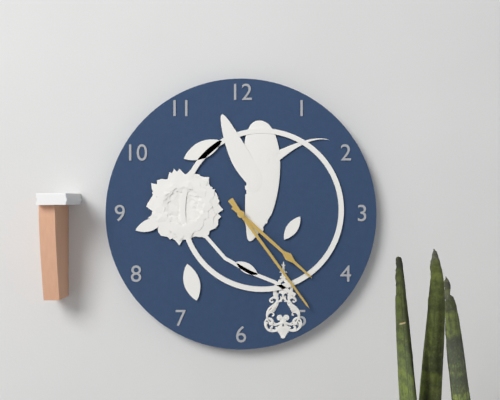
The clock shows h=4 m=24
